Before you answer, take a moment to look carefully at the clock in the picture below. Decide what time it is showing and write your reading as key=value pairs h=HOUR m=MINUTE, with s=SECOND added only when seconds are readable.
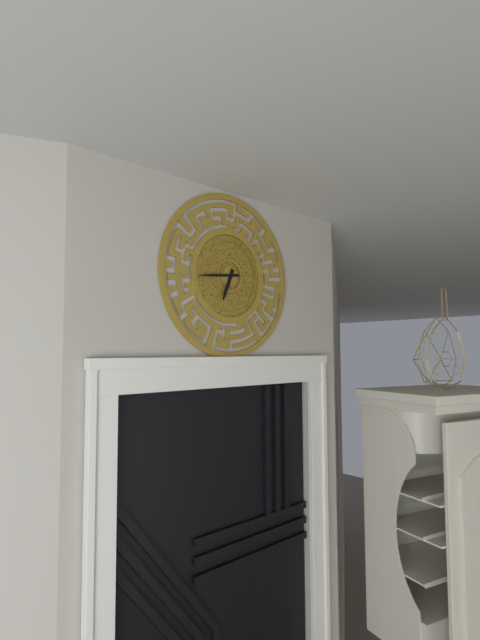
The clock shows h=6 m=44
